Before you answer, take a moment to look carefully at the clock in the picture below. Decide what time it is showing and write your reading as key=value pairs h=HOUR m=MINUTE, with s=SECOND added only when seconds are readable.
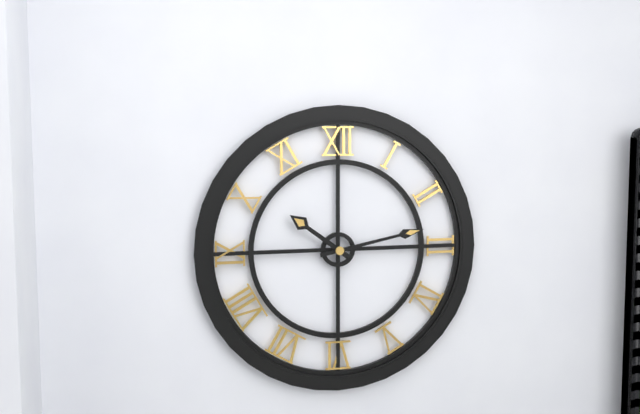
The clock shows h=10 m=13
